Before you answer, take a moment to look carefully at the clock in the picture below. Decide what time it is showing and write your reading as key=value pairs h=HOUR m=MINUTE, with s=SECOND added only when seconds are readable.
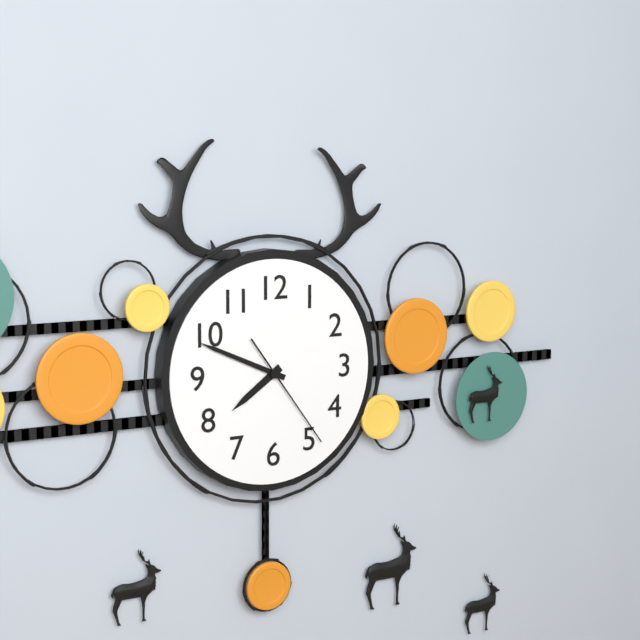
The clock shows h=7 m=49 s=24
